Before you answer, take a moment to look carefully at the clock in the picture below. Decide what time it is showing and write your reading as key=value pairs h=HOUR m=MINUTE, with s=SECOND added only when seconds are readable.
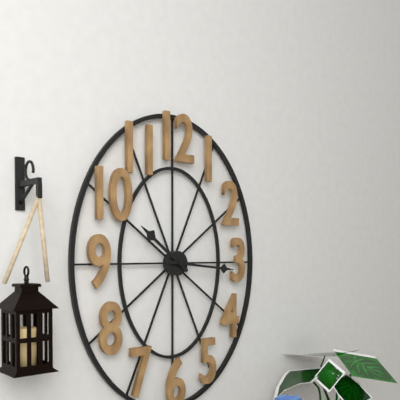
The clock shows h=10 m=16
